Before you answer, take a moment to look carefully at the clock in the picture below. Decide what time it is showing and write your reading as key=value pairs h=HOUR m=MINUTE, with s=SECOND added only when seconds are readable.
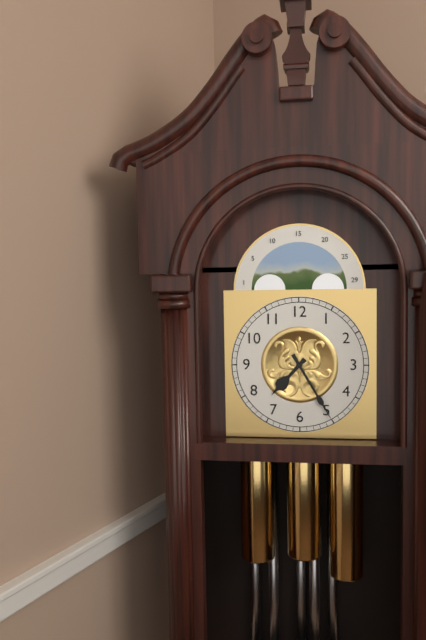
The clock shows h=7 m=25
